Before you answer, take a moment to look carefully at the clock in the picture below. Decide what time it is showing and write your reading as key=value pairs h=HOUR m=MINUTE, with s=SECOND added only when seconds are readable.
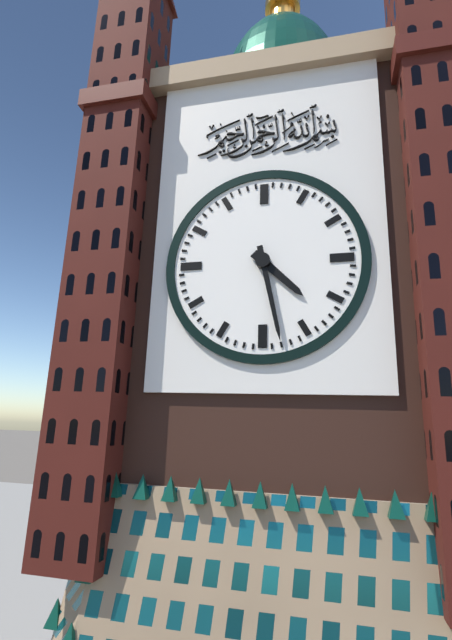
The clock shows h=4 m=28
